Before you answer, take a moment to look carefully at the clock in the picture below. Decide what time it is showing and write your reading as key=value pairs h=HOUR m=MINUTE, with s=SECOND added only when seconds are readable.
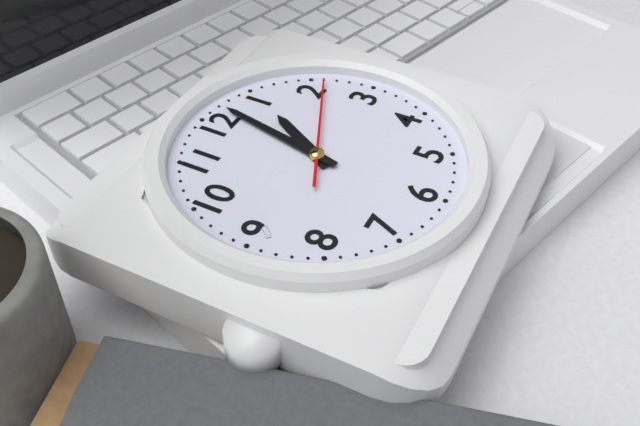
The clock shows h=1 m=2 s=11
